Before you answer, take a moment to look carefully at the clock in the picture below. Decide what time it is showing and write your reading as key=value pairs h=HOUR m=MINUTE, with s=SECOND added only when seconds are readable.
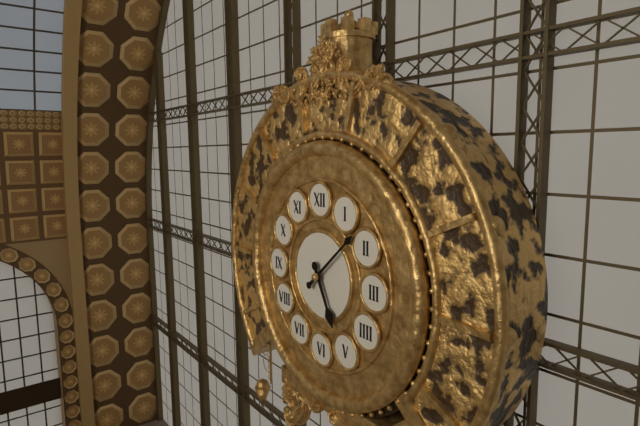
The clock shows h=5 m=8
